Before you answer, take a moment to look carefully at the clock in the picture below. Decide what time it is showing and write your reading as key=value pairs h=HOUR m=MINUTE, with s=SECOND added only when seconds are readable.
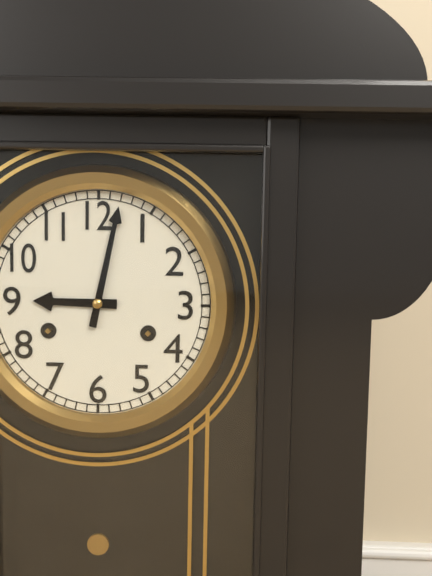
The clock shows h=9 m=2
